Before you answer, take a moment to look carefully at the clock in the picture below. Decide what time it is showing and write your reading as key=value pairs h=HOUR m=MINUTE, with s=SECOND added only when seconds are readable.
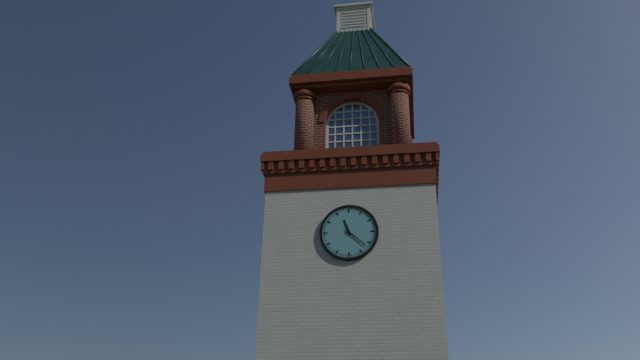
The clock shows h=11 m=22
